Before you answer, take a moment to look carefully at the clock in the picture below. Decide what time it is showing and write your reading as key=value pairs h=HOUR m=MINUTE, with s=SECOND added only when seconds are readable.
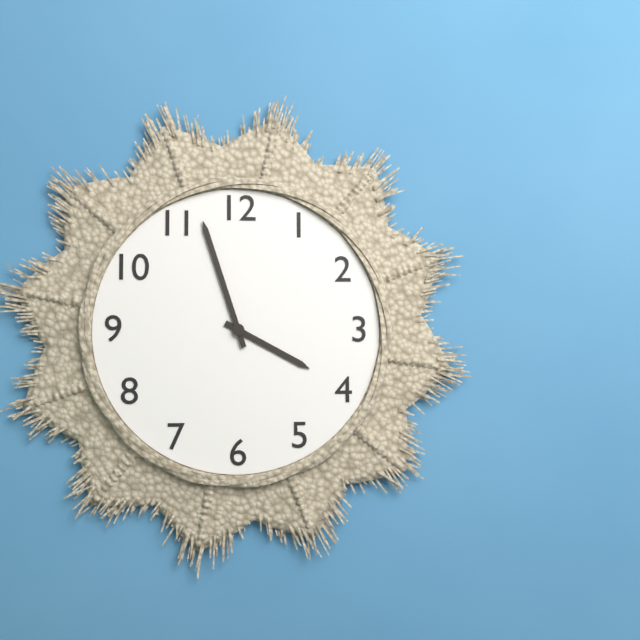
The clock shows h=3 m=57
